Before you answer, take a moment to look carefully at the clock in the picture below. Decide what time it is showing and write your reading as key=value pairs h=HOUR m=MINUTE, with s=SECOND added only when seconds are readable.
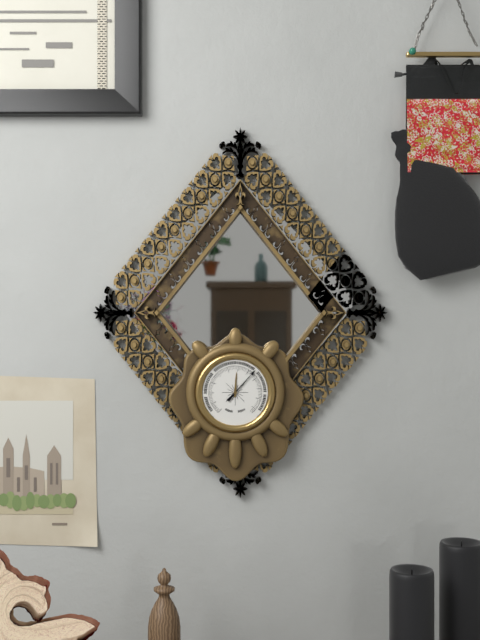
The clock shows h=12 m=7
